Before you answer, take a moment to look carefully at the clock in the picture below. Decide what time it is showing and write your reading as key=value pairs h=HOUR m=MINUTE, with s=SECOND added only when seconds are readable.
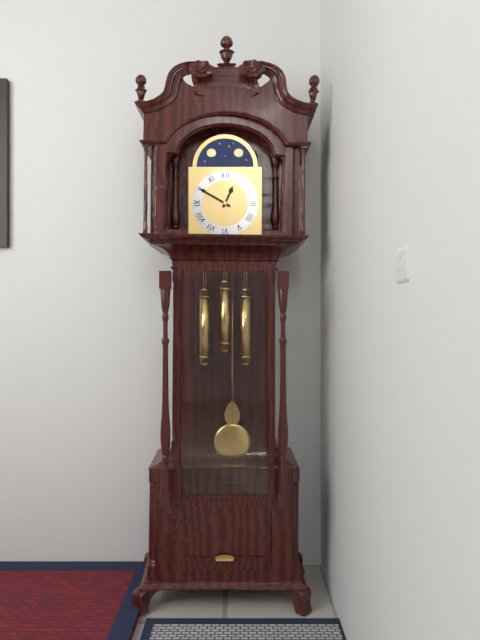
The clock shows h=12 m=50
